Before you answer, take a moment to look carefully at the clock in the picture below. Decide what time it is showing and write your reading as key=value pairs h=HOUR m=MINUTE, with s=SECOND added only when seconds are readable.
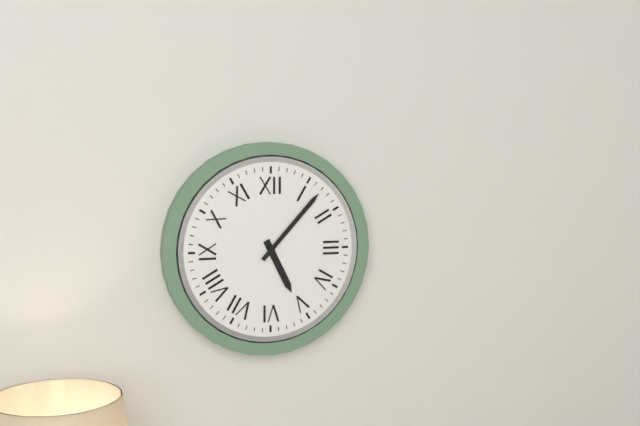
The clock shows h=5 m=7
